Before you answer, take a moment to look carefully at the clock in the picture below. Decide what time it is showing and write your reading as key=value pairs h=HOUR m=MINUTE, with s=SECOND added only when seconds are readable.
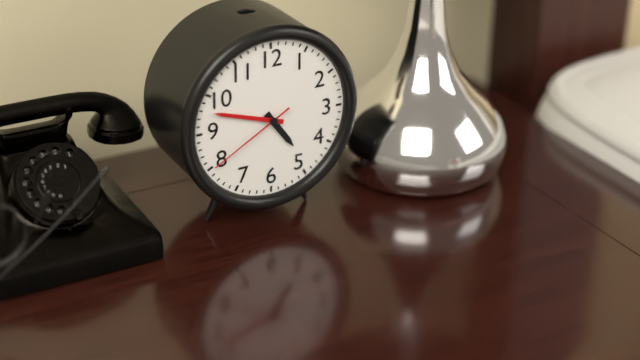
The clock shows h=4 m=48 s=40
